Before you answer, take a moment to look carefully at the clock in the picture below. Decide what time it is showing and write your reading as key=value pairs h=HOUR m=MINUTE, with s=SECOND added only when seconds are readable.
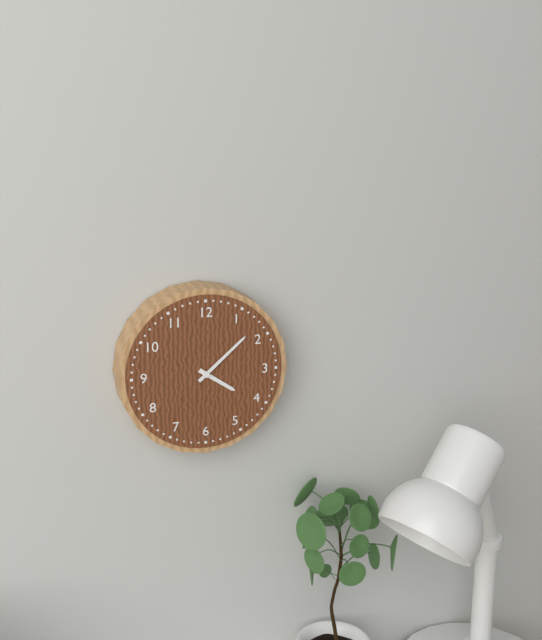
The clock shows h=4 m=8
